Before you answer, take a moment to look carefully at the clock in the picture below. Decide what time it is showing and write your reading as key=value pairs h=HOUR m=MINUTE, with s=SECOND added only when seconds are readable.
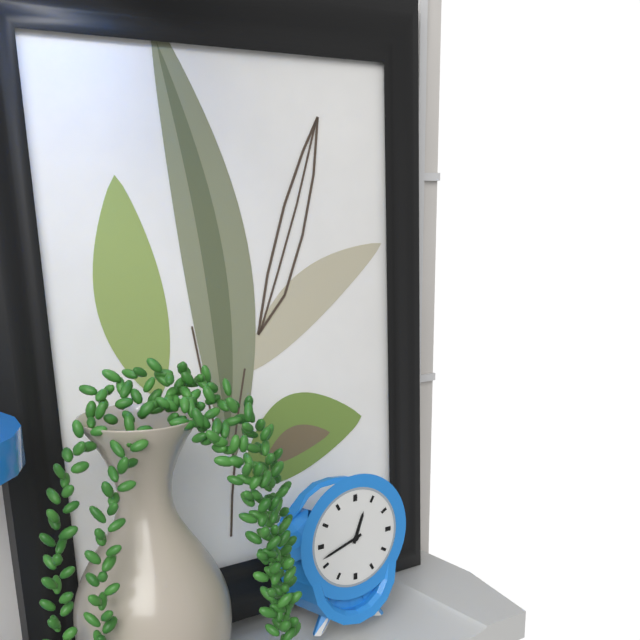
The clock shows h=12 m=42
